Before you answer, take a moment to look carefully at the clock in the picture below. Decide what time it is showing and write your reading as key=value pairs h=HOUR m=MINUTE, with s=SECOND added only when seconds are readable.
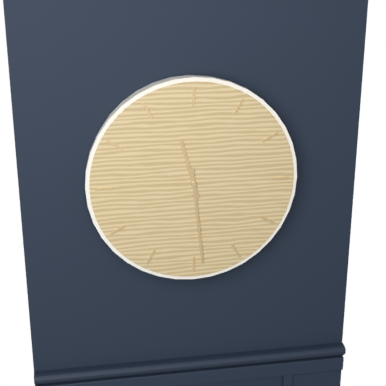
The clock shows h=11 m=29
